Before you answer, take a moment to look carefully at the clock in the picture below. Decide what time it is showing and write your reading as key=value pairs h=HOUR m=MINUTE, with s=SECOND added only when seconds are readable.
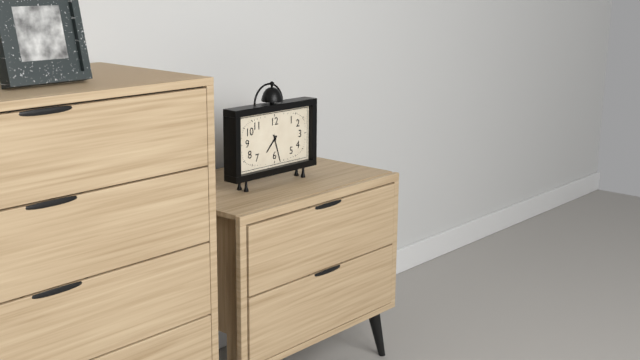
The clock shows h=7 m=27
